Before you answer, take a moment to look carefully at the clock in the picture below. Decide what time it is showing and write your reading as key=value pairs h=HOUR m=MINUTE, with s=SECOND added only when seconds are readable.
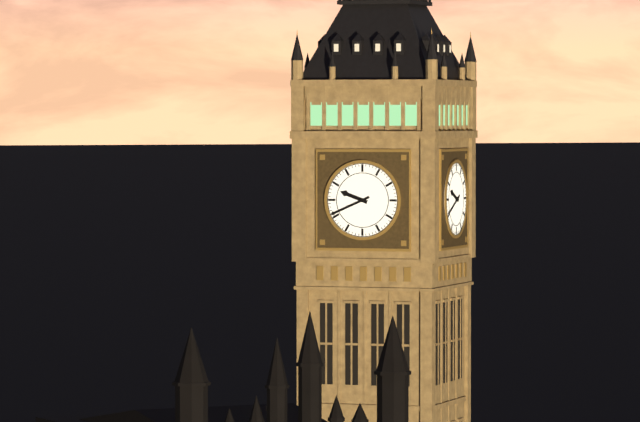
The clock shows h=9 m=41
